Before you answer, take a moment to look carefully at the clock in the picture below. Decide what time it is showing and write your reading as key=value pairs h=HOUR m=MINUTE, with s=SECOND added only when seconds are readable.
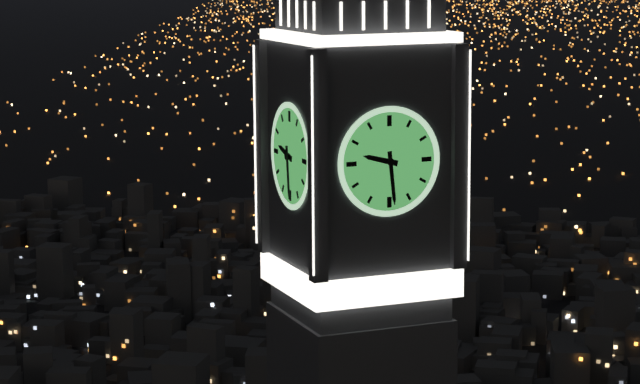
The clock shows h=9 m=29
